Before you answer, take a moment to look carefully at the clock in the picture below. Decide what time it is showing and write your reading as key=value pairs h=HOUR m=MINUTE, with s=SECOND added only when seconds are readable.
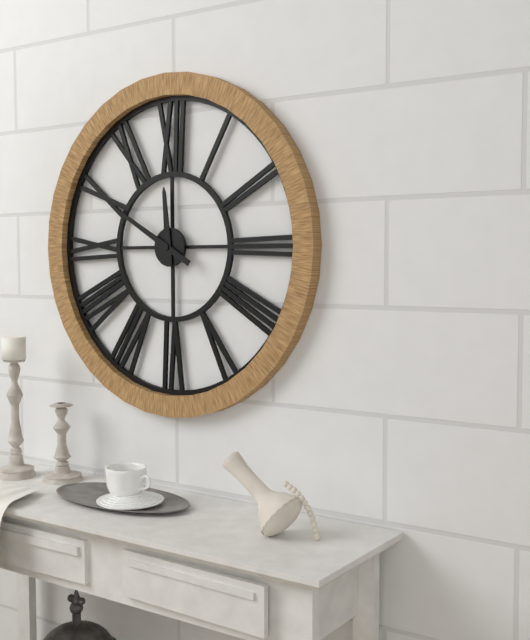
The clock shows h=11 m=50
